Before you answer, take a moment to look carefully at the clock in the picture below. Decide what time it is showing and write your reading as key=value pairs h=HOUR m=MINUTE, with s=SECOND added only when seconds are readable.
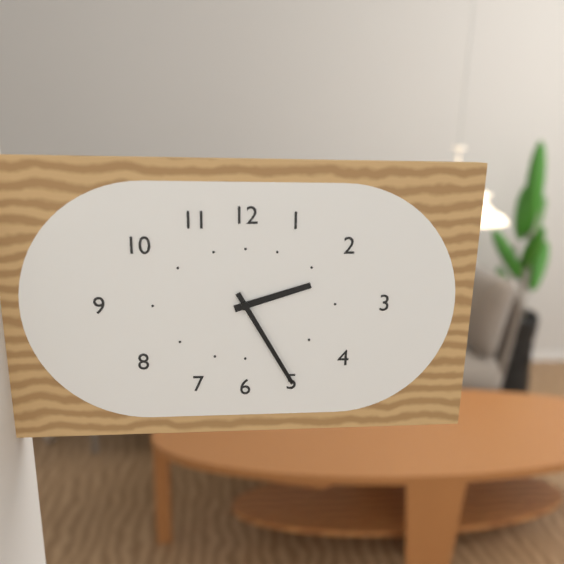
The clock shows h=2 m=25
